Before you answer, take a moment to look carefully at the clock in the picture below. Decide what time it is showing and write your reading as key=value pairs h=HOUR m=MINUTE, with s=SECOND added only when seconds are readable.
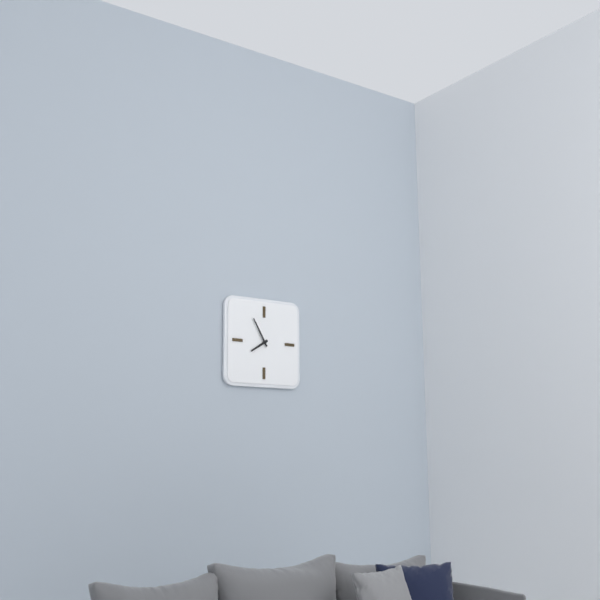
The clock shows h=7 m=55
